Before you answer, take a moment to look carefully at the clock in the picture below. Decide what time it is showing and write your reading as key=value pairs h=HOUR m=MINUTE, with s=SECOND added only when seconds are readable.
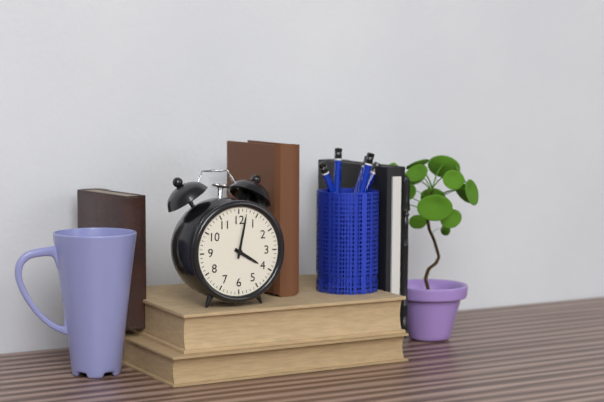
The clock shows h=4 m=2
